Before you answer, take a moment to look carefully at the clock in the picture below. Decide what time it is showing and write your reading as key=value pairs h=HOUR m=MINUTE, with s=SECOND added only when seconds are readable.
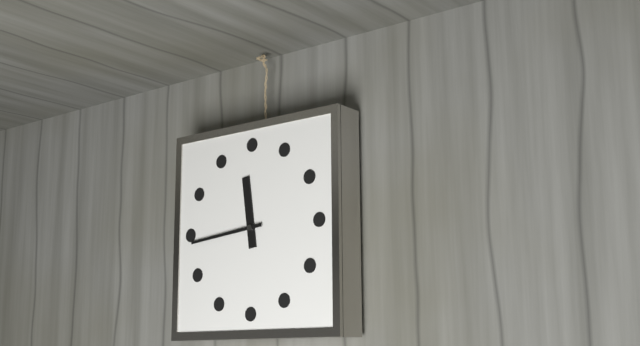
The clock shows h=11 m=44
